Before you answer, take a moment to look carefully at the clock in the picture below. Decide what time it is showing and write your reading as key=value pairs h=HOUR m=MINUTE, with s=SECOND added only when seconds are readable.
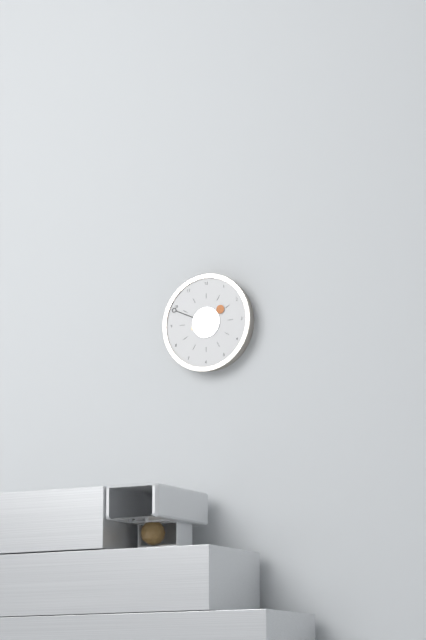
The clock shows h=1 m=49
